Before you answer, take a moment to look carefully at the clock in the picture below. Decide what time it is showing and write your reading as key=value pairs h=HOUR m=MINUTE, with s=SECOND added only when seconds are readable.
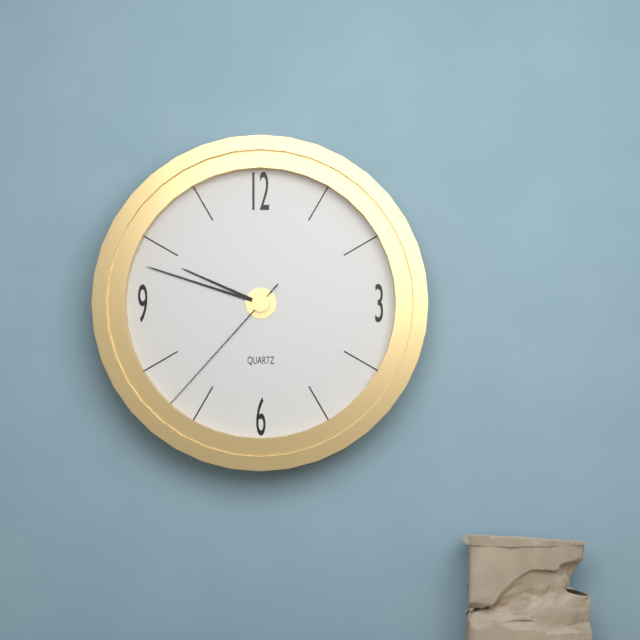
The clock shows h=9 m=48 s=37
